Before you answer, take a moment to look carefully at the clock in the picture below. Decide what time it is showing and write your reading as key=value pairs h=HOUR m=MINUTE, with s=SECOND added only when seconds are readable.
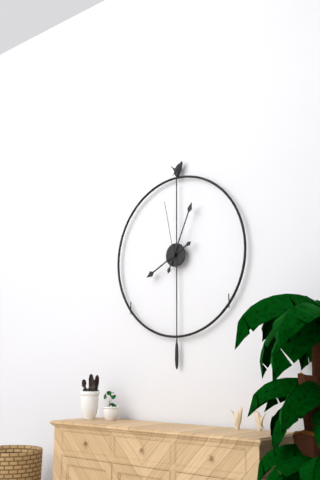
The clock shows h=8 m=4 s=58
